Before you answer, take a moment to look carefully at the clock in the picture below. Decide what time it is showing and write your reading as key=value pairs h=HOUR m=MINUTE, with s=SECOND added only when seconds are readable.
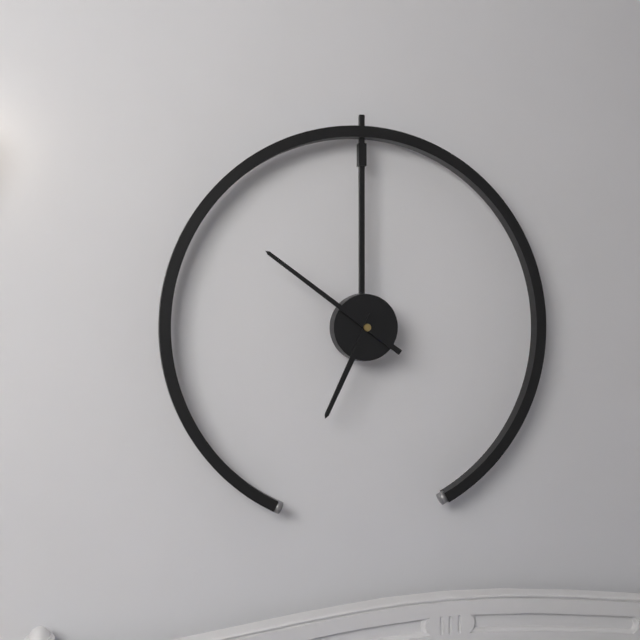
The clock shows h=6 m=51
